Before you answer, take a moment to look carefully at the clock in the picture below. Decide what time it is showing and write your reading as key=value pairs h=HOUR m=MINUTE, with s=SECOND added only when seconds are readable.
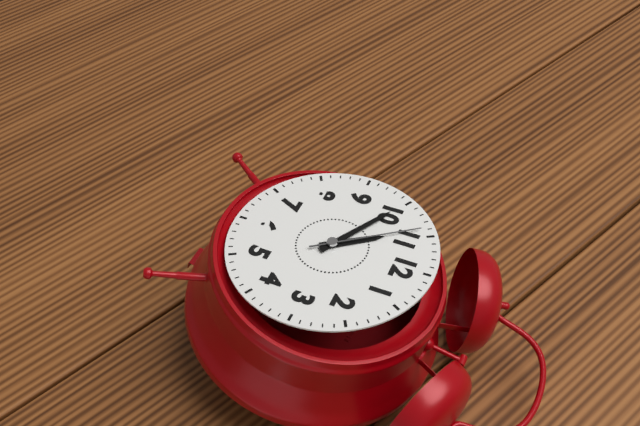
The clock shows h=10 m=50 s=54
